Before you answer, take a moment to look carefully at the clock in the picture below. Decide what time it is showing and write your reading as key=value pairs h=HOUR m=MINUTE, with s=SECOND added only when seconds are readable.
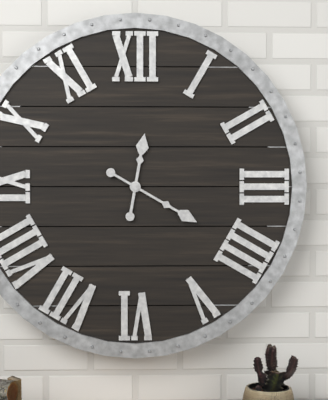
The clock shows h=12 m=20
